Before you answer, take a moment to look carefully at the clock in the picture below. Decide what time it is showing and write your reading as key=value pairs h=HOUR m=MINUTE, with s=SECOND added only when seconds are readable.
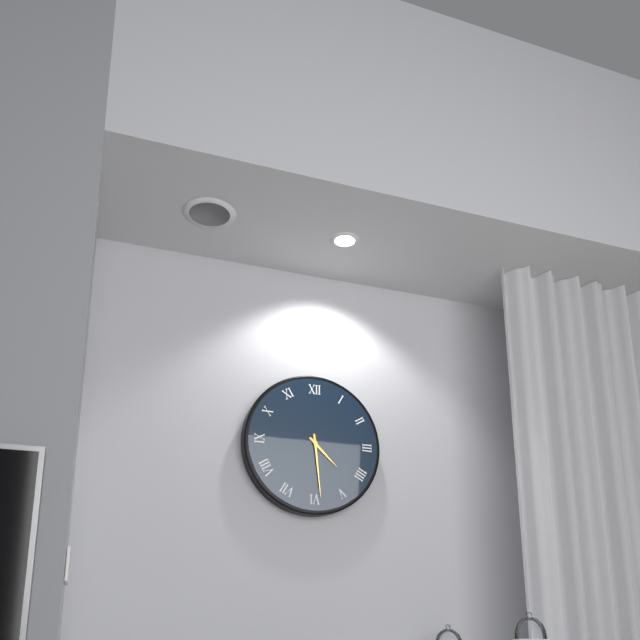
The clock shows h=4 m=29
